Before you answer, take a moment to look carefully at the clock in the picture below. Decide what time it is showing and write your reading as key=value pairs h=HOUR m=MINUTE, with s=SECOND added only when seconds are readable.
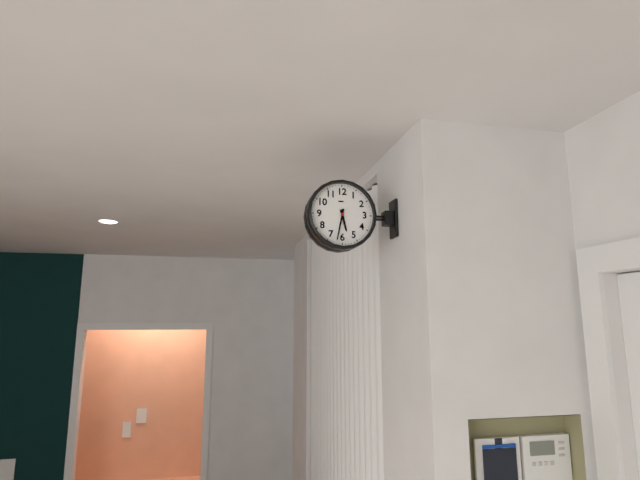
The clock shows h=5 m=32
